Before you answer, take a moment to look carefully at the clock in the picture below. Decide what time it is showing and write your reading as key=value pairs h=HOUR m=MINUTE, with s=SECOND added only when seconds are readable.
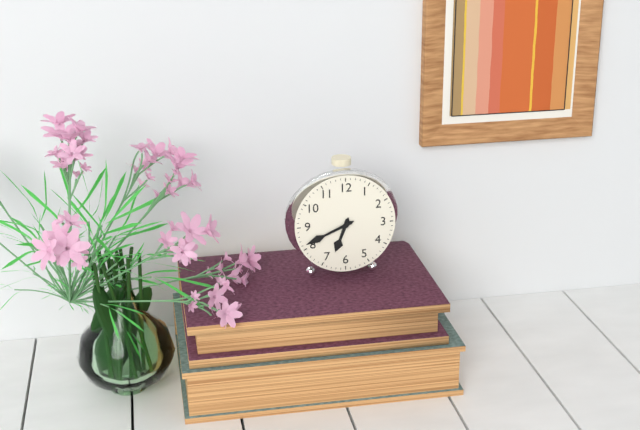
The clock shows h=6 m=41
